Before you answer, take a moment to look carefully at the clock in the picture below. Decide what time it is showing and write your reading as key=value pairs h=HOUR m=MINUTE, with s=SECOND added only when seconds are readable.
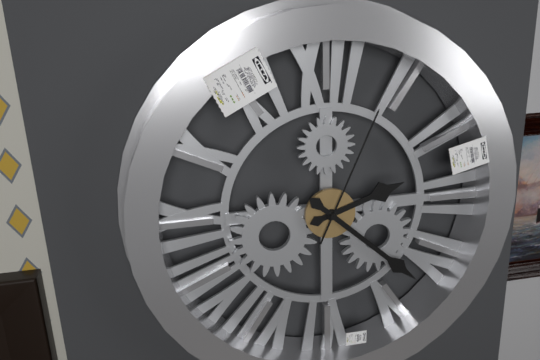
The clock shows h=2 m=22 s=4
